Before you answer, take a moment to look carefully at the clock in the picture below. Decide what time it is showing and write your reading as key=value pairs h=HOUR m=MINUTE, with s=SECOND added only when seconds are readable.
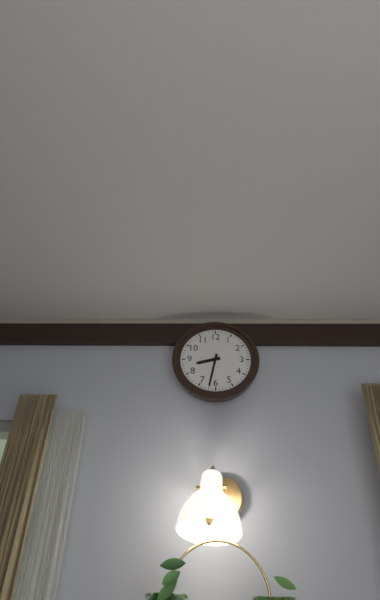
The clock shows h=8 m=32
